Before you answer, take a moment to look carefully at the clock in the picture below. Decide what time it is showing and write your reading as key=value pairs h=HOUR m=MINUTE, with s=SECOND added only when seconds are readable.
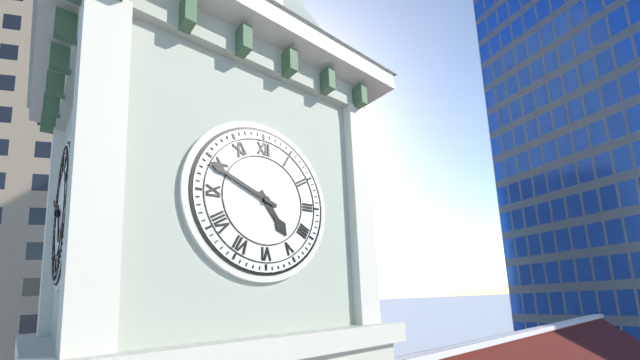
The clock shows h=4 m=49
